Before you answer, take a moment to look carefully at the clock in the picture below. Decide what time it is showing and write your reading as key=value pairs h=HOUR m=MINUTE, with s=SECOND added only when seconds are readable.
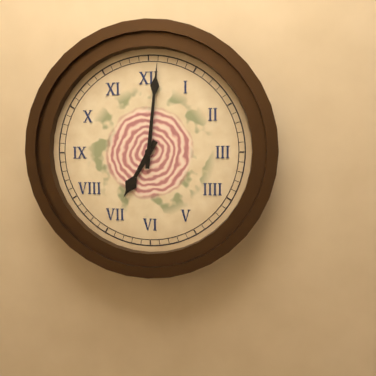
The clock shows h=7 m=1
